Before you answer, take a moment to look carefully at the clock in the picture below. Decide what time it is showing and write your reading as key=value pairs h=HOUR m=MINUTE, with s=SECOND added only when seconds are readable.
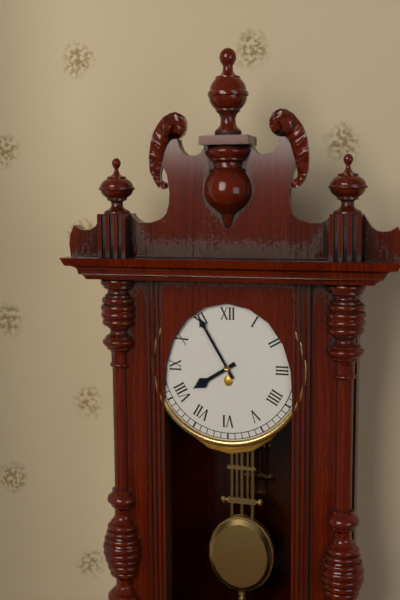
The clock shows h=7 m=55
